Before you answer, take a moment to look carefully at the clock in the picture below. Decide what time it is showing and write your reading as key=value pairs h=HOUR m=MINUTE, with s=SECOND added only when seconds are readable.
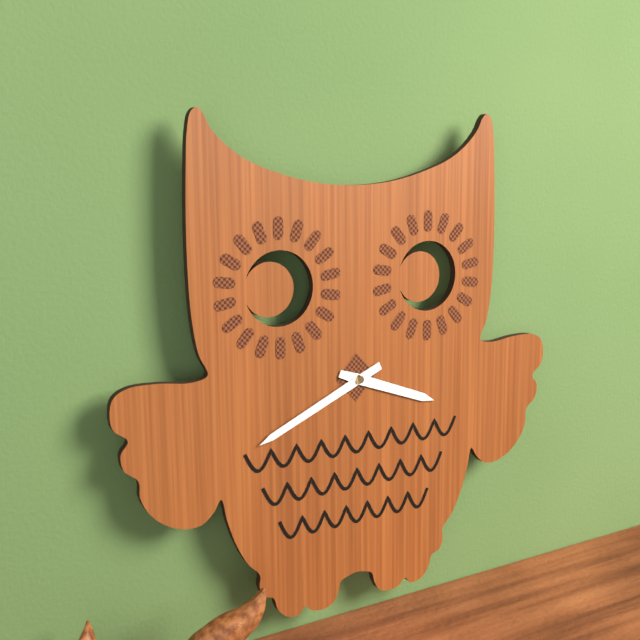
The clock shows h=3 m=41
